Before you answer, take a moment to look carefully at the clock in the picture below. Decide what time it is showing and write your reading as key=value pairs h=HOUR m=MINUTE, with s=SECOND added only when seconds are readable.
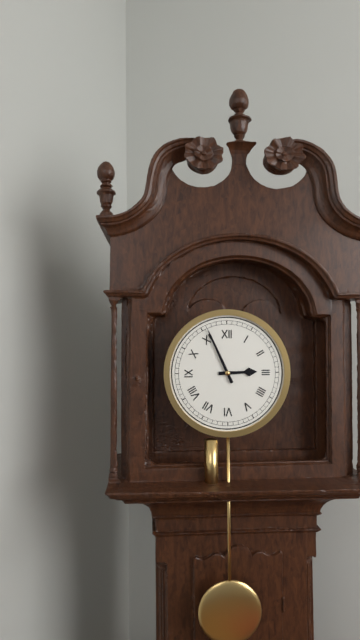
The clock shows h=2 m=56
